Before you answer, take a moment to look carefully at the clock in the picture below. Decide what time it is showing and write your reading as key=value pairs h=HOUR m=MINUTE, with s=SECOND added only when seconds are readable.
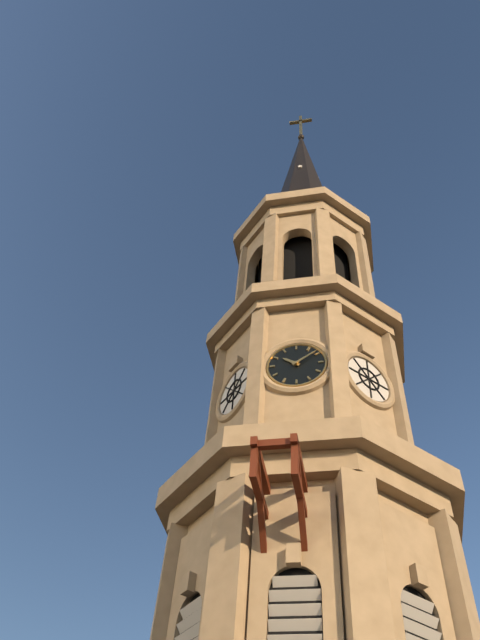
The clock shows h=10 m=9
